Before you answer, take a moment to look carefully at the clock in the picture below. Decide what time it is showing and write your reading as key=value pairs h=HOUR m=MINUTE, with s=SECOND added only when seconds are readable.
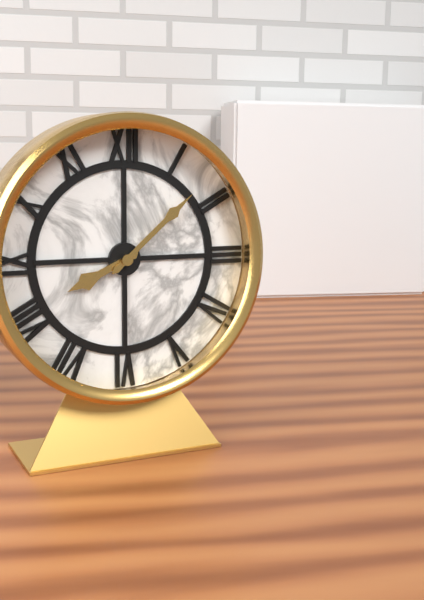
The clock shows h=8 m=8
